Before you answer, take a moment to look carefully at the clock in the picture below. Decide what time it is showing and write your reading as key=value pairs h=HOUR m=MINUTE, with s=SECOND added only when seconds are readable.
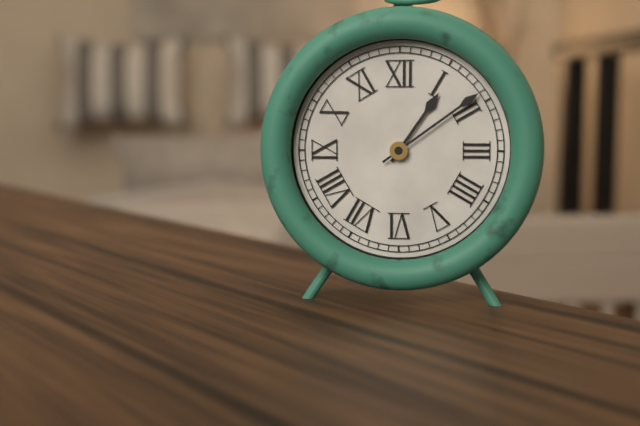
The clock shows h=1 m=9
